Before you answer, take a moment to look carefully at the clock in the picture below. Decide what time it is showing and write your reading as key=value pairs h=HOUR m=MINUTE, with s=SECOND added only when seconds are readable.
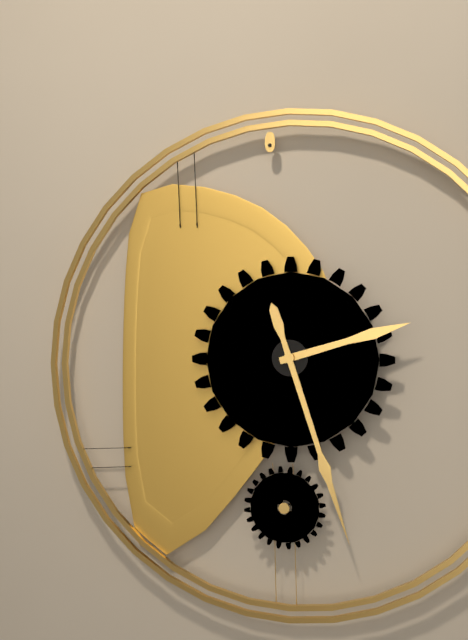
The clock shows h=2 m=27
